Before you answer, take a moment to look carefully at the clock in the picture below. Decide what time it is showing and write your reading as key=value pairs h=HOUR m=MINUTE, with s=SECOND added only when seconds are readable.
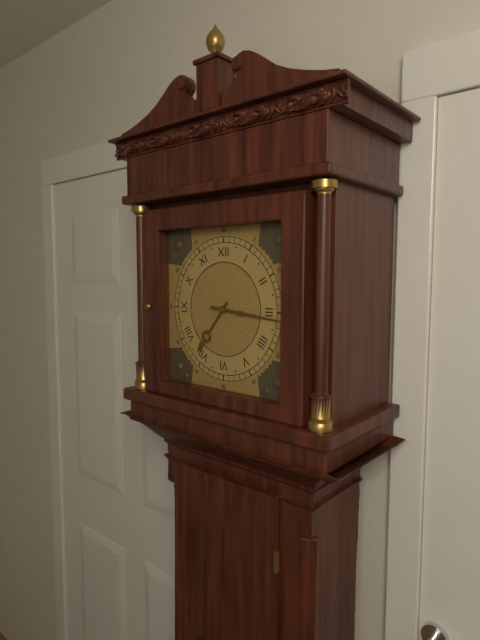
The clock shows h=7 m=16
